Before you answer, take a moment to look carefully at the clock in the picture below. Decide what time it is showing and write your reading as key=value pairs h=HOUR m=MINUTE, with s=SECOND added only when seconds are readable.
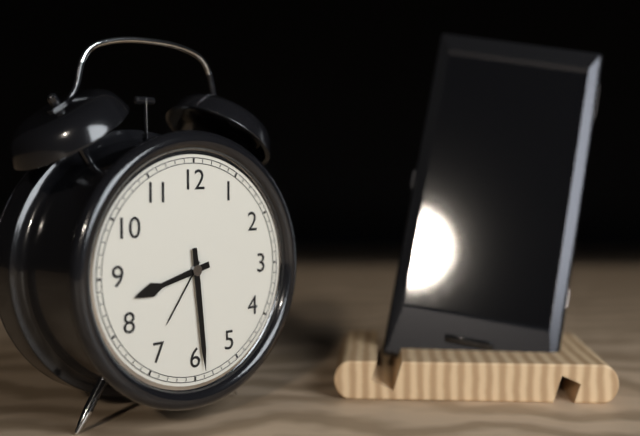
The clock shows h=8 m=29
